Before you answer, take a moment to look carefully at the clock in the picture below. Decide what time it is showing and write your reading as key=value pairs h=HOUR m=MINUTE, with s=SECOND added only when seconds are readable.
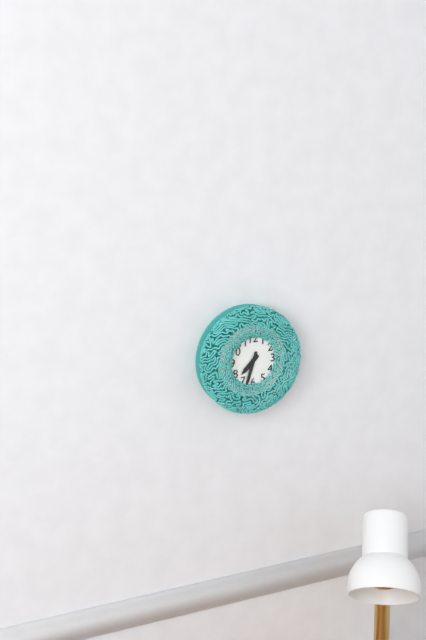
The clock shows h=7 m=33
